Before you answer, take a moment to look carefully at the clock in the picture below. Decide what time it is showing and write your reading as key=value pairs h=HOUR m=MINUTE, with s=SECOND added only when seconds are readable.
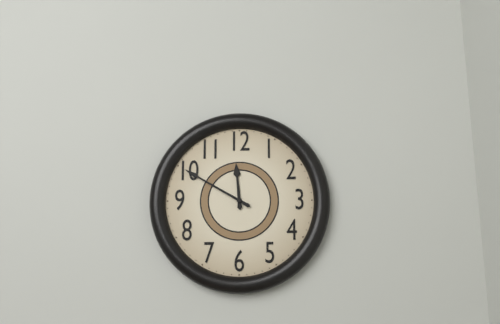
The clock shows h=11 m=50
